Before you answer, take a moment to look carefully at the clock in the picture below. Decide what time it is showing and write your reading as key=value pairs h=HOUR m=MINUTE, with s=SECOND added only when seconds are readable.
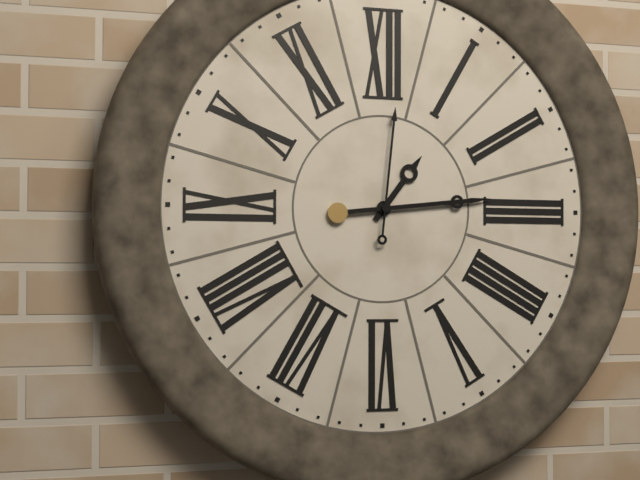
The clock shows h=1 m=14 s=1
